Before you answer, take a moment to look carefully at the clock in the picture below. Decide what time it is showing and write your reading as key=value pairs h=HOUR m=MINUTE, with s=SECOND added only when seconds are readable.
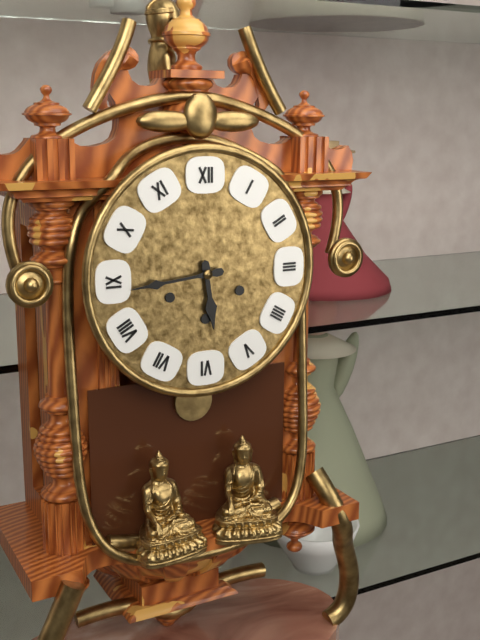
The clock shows h=5 m=44
